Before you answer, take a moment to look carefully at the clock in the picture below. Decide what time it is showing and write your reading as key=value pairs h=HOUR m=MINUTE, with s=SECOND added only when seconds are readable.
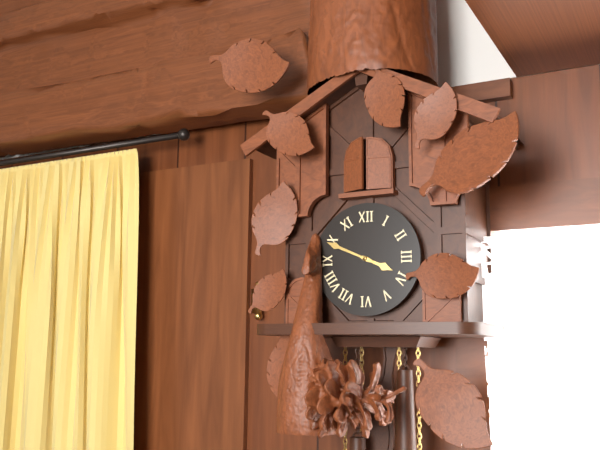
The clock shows h=3 m=49
